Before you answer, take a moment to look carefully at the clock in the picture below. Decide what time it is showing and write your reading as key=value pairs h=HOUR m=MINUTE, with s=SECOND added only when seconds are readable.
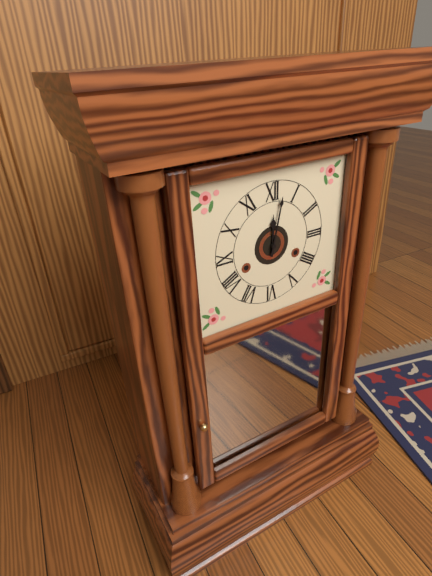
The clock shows h=12 m=2
